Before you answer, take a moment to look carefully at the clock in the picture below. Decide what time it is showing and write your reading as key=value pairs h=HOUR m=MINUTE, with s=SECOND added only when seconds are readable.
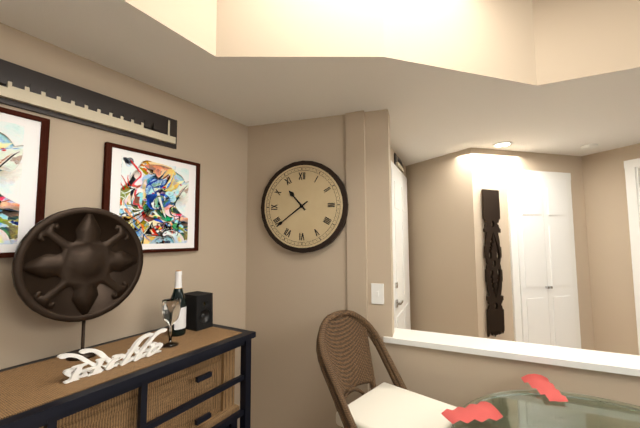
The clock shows h=10 m=39
